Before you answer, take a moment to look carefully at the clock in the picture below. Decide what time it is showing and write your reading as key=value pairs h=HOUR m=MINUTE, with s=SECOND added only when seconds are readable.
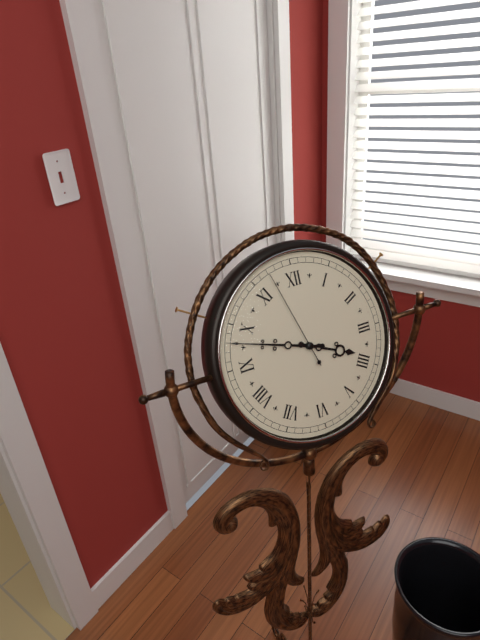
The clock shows h=3 m=48 s=57
